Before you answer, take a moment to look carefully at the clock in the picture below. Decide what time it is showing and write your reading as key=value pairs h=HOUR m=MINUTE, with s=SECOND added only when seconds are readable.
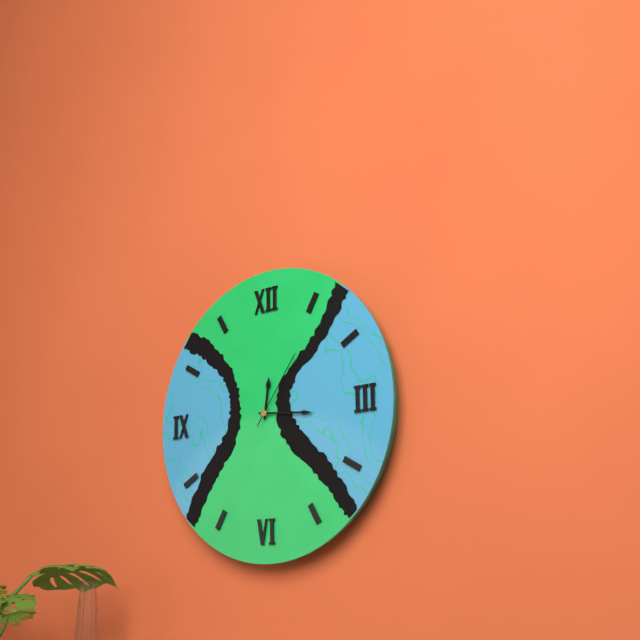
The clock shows h=12 m=16 s=6
